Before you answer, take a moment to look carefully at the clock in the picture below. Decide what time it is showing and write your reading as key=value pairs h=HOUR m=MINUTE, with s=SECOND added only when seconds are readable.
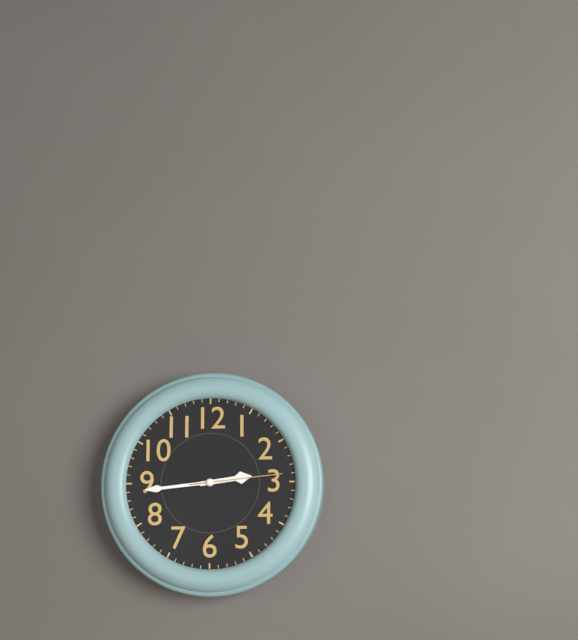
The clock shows h=2 m=44 s=14
